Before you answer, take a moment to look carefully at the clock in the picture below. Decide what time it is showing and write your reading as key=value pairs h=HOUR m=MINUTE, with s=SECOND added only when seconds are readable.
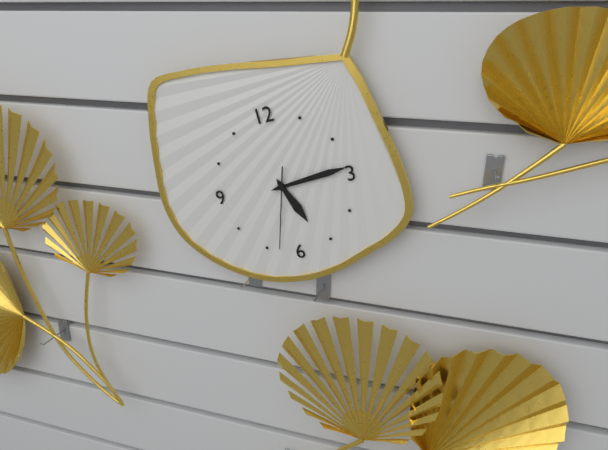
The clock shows h=5 m=14 s=33
